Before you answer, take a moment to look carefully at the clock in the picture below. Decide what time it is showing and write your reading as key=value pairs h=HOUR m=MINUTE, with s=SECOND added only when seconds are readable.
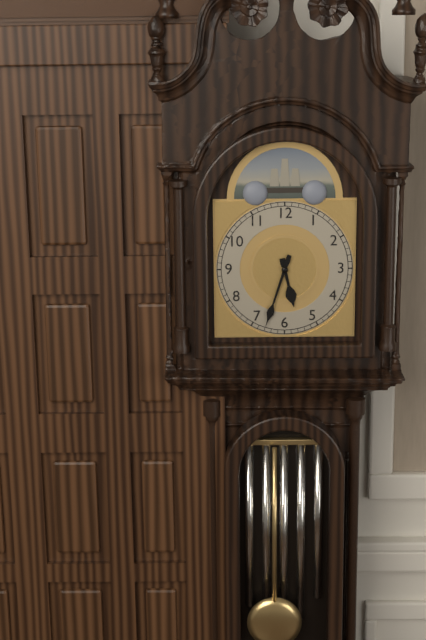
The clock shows h=5 m=33
